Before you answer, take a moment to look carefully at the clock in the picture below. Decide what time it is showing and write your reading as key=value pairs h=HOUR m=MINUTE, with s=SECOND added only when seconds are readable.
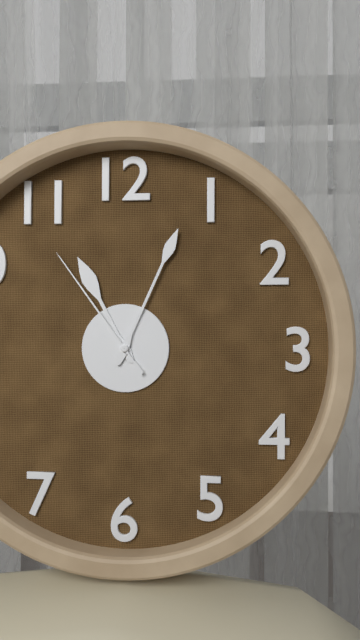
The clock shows h=11 m=4 s=54
